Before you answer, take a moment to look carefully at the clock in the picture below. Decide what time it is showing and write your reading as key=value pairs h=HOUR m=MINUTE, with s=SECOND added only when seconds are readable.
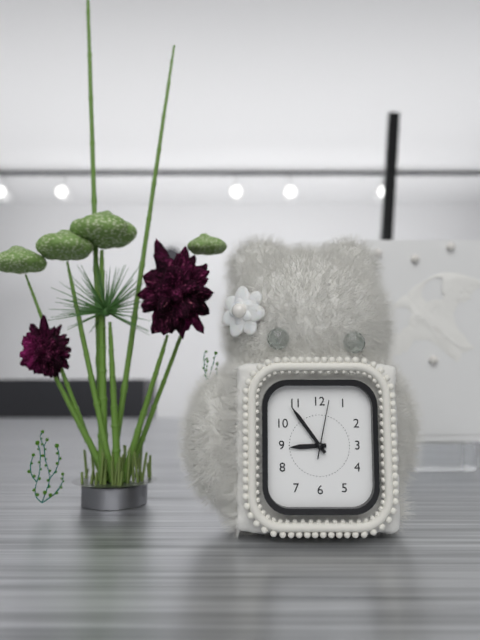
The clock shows h=8 m=54 s=2
